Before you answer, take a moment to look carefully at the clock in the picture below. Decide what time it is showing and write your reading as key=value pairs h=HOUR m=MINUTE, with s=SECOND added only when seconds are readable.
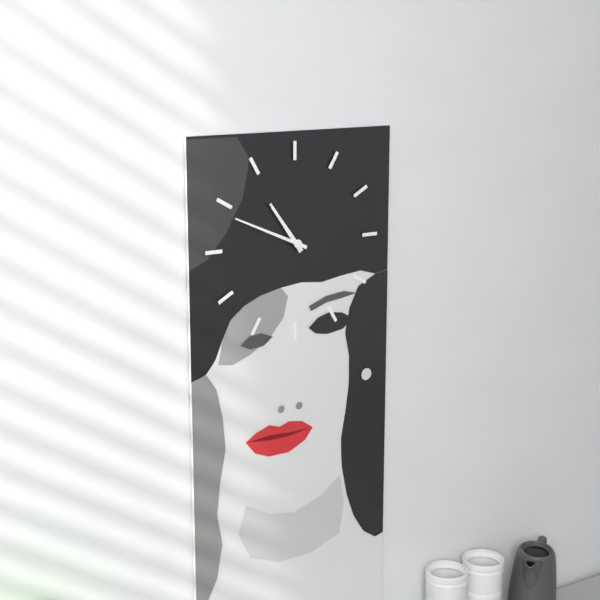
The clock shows h=10 m=49
